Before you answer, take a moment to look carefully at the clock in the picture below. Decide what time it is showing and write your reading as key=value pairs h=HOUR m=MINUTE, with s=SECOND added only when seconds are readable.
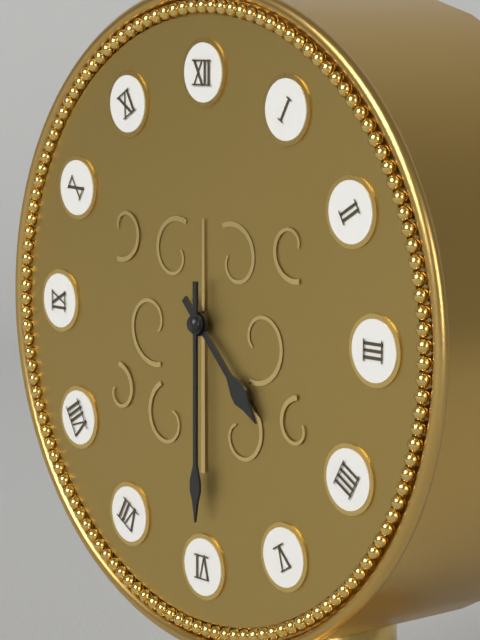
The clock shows h=4 m=30
